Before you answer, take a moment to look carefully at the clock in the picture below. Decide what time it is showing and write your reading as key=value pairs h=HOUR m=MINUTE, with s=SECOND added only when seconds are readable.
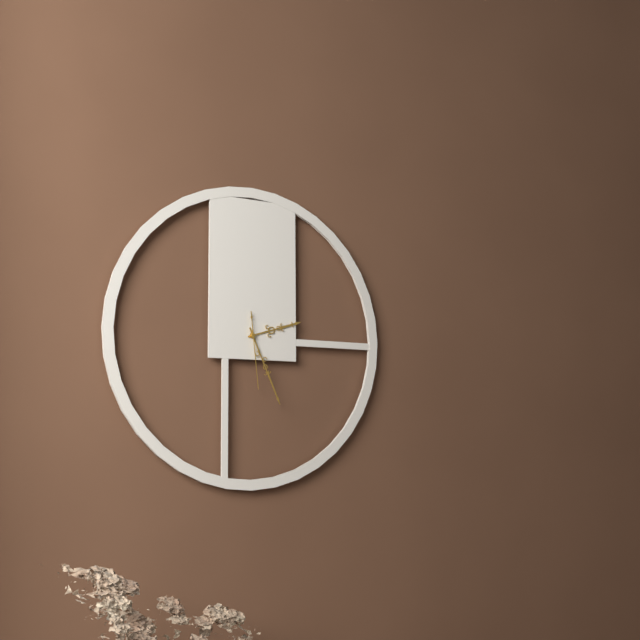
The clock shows h=2 m=26 s=29
